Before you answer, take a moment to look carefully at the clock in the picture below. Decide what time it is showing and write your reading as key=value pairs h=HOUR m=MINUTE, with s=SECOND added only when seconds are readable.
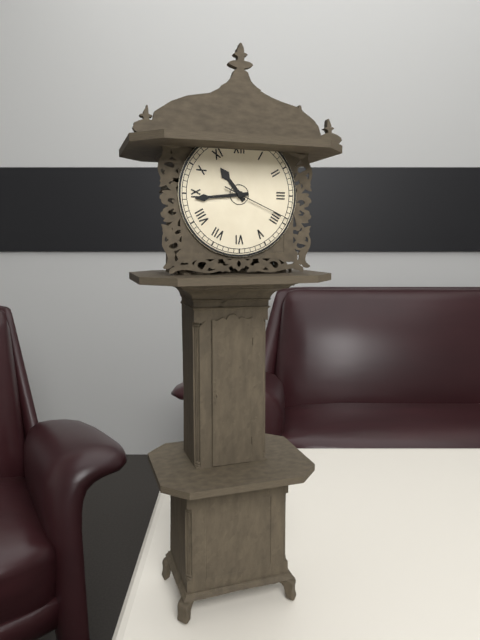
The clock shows h=10 m=44 s=19
